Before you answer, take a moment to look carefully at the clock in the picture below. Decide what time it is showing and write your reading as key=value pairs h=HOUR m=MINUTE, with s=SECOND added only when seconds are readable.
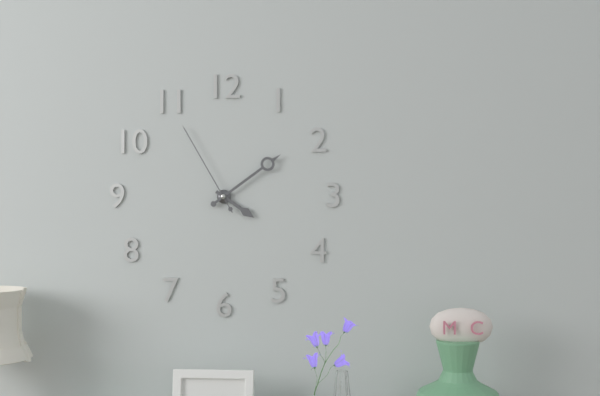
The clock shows h=4 m=9 s=55
